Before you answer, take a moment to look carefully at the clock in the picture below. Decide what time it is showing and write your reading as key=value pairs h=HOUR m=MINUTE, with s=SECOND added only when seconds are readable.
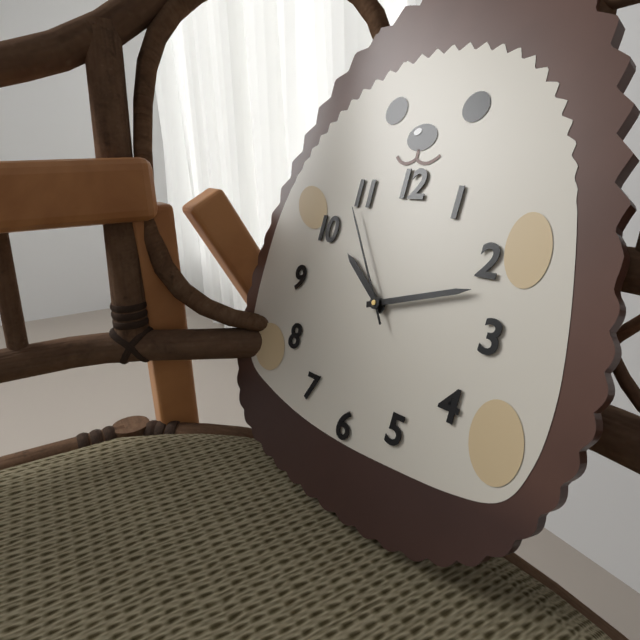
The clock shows h=10 m=12 s=54
